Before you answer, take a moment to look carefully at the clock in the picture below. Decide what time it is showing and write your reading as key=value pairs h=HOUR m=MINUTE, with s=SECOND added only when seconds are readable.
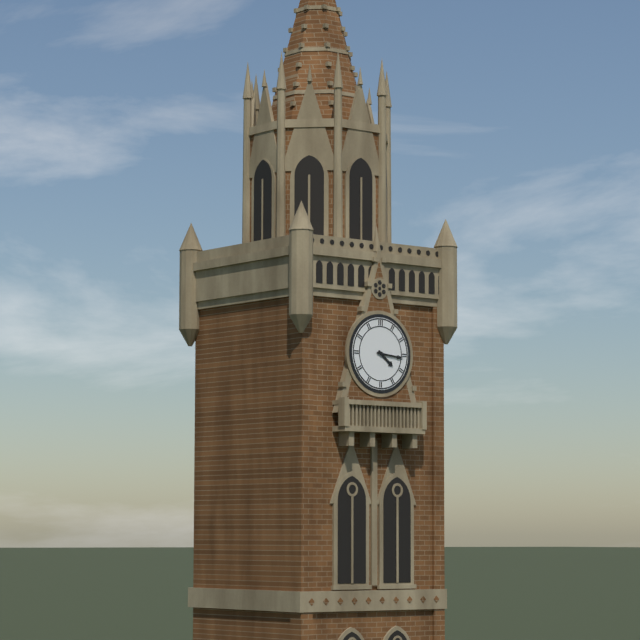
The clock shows h=4 m=16
